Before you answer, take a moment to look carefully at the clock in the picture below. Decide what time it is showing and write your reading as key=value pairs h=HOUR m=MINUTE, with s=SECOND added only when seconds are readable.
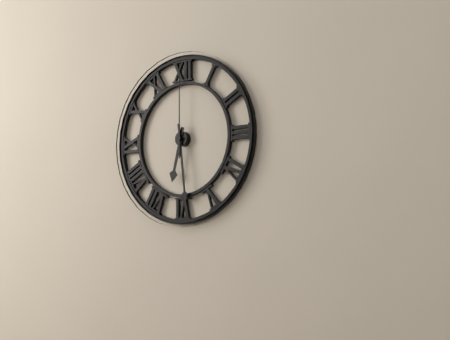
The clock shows h=6 m=29 s=0
